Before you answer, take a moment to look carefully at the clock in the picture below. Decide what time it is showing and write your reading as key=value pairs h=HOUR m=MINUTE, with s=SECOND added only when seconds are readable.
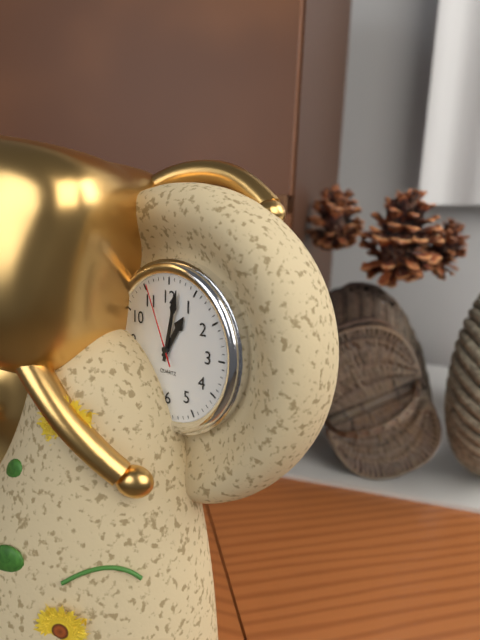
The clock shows h=1 m=2 s=56
